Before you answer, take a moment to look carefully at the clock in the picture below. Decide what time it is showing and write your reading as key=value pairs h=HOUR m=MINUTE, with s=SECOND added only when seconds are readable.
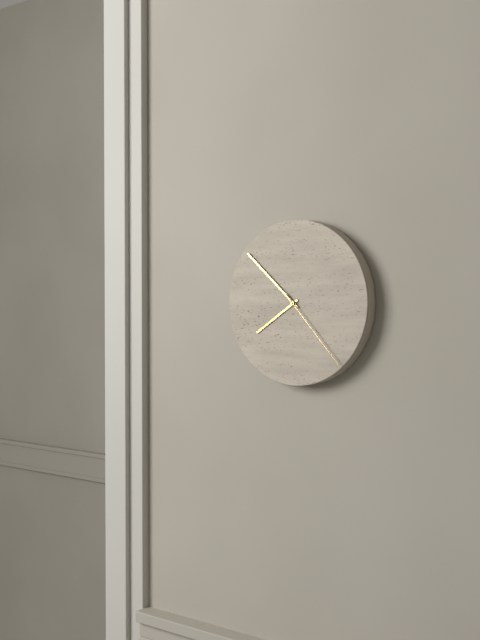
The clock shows h=7 m=52 s=23
